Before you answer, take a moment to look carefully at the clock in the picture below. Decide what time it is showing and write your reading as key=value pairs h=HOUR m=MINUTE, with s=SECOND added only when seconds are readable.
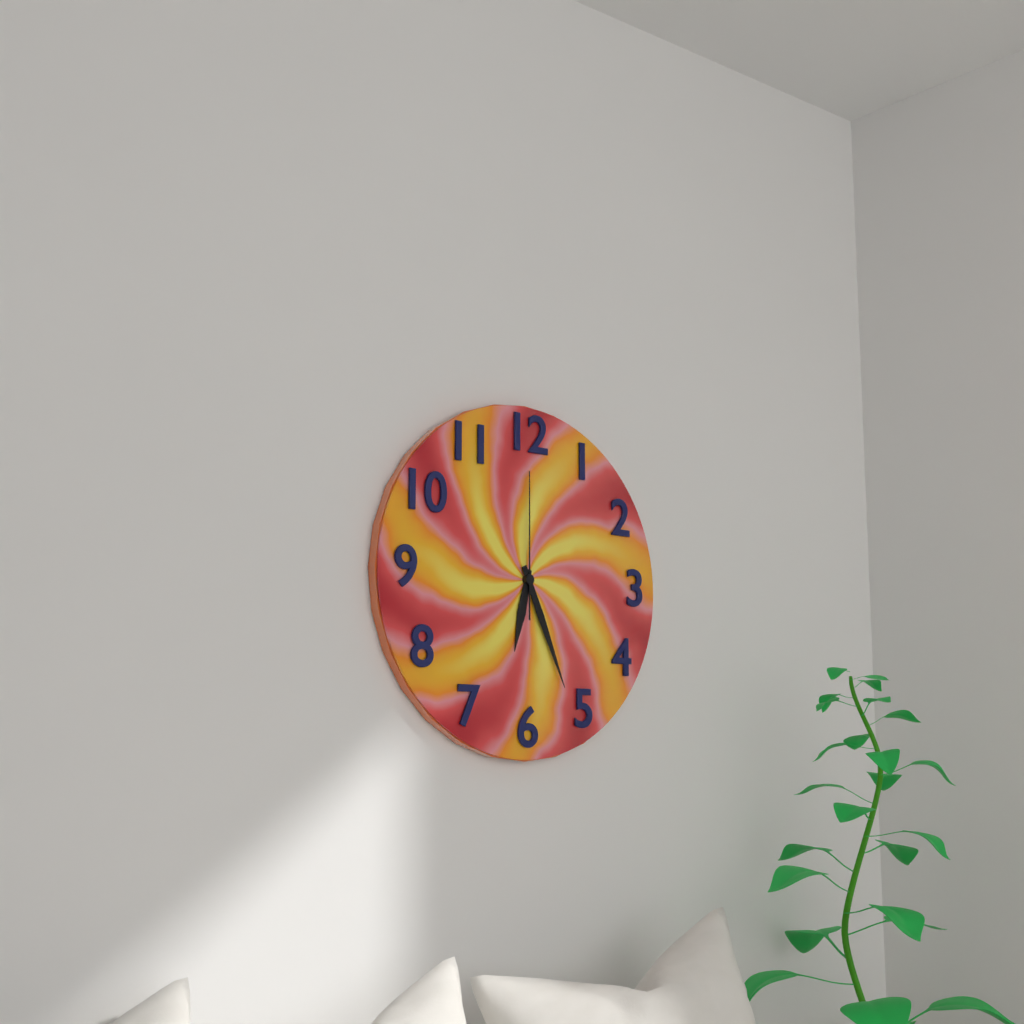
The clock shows h=6 m=26 s=0
